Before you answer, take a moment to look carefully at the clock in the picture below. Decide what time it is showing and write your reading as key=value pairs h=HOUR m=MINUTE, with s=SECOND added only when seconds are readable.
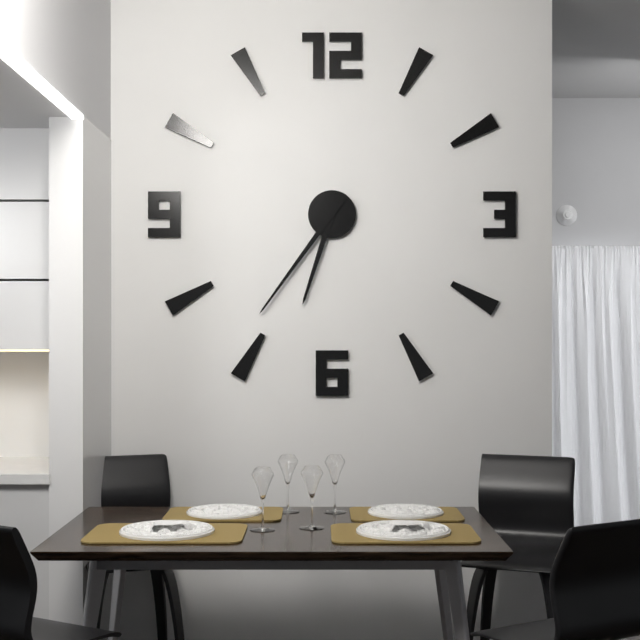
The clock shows h=6 m=36
